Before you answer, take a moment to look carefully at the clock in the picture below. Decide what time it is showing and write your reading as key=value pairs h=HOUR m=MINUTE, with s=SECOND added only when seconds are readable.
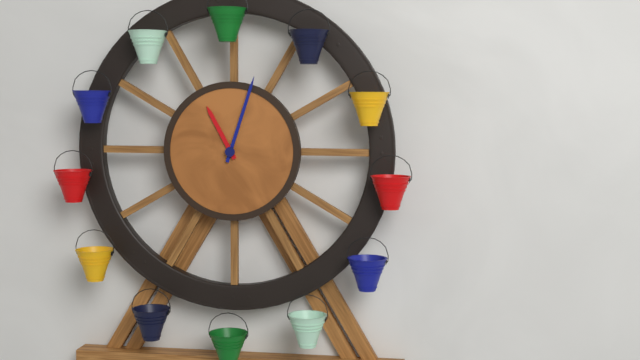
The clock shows h=11 m=3
